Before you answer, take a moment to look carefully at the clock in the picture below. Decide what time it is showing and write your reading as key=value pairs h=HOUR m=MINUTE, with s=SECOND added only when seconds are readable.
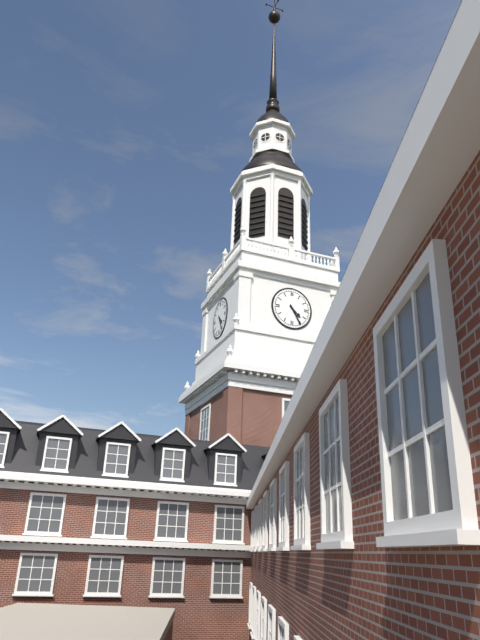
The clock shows h=4 m=25
